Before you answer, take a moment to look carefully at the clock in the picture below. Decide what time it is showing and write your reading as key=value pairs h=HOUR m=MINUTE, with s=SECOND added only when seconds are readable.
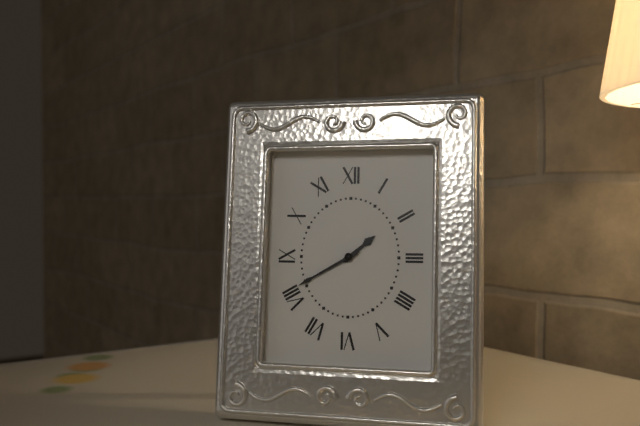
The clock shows h=1 m=40
